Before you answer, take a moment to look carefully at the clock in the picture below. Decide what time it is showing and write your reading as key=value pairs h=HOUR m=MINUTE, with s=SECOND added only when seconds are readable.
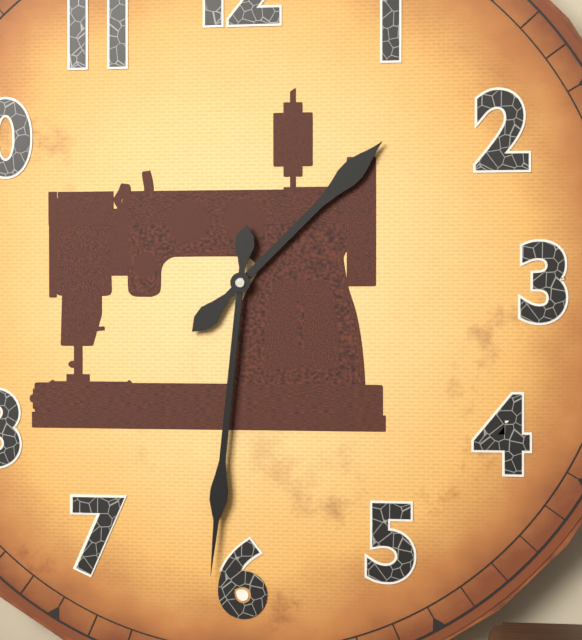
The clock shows h=1 m=31
